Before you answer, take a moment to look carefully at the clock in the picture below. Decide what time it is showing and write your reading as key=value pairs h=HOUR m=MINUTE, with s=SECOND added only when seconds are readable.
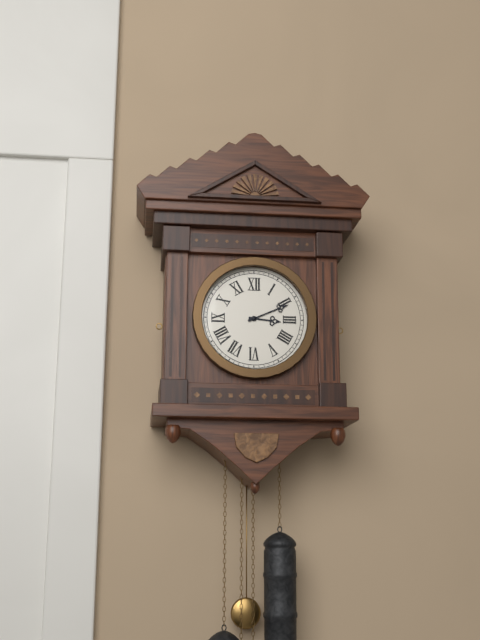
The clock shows h=3 m=11
